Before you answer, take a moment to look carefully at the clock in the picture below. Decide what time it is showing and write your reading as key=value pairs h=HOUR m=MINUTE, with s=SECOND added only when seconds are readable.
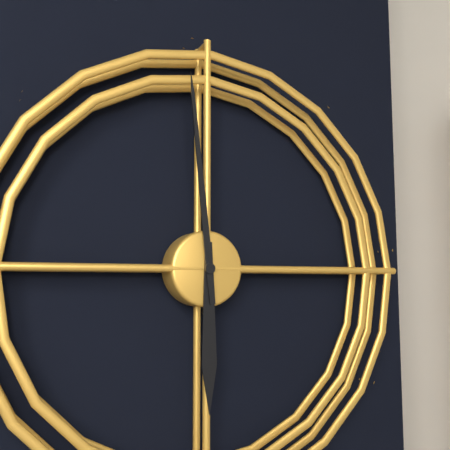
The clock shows h=5 m=59
